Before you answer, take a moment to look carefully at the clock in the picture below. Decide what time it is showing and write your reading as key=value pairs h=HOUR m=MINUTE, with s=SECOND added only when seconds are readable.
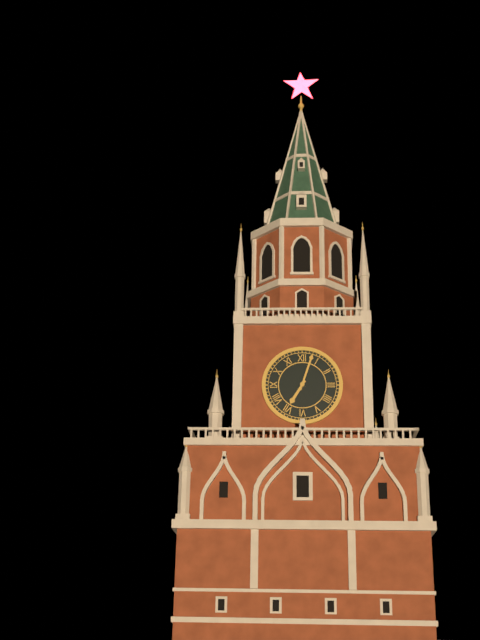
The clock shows h=7 m=3
